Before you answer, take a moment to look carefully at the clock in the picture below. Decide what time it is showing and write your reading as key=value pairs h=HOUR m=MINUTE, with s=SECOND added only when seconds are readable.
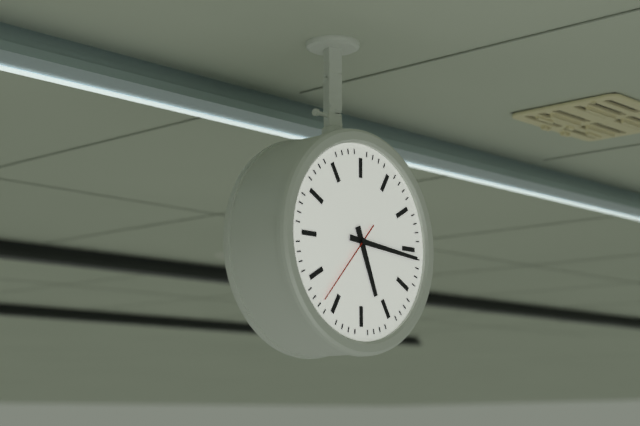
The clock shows h=5 m=16 s=37
